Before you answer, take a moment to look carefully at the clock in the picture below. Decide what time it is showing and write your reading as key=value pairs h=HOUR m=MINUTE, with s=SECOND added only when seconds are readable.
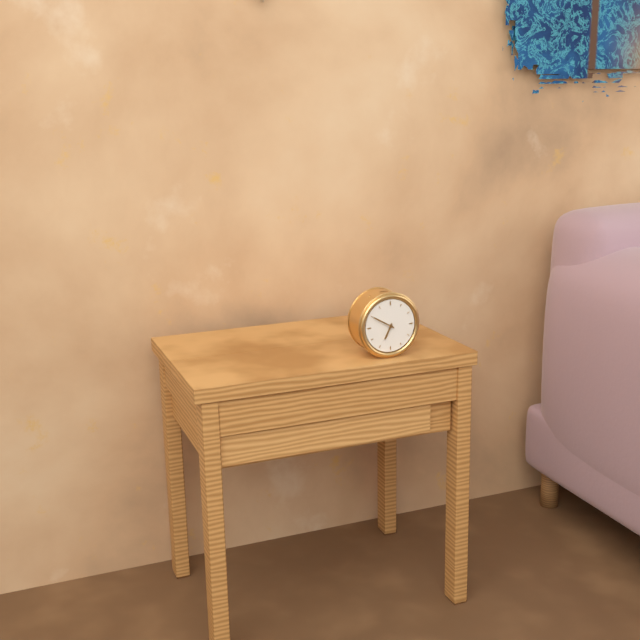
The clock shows h=6 m=50
